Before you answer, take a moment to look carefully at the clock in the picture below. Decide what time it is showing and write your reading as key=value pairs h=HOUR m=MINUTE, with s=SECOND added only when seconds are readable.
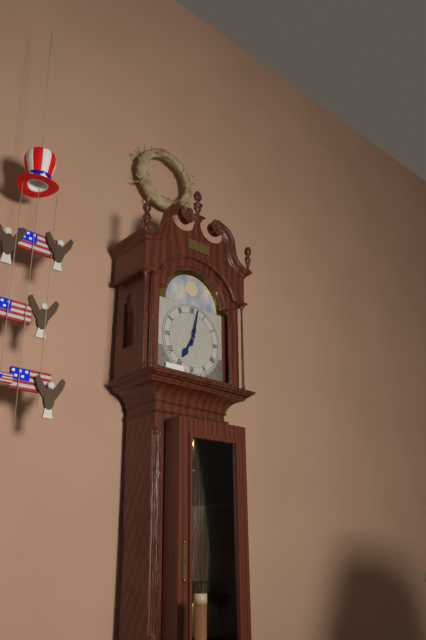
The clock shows h=7 m=2
